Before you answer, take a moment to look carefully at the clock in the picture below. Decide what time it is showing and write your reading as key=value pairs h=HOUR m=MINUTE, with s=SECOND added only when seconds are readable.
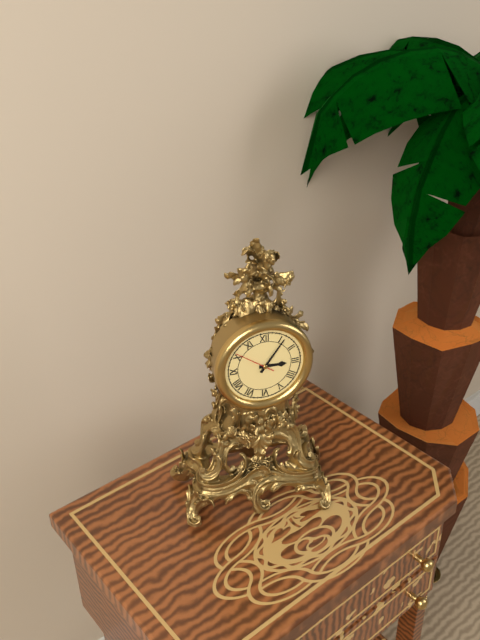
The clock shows h=3 m=6
